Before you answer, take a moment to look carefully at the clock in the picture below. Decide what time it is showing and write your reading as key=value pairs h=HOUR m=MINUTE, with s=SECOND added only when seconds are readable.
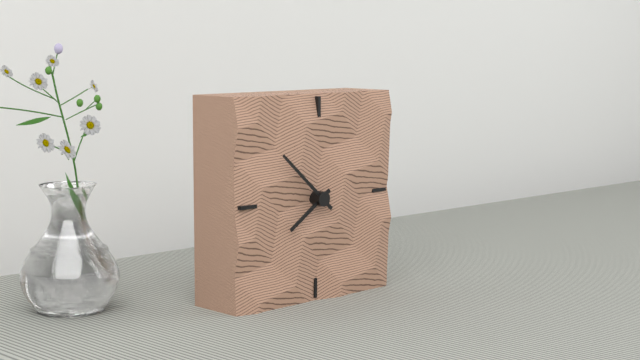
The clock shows h=7 m=52
